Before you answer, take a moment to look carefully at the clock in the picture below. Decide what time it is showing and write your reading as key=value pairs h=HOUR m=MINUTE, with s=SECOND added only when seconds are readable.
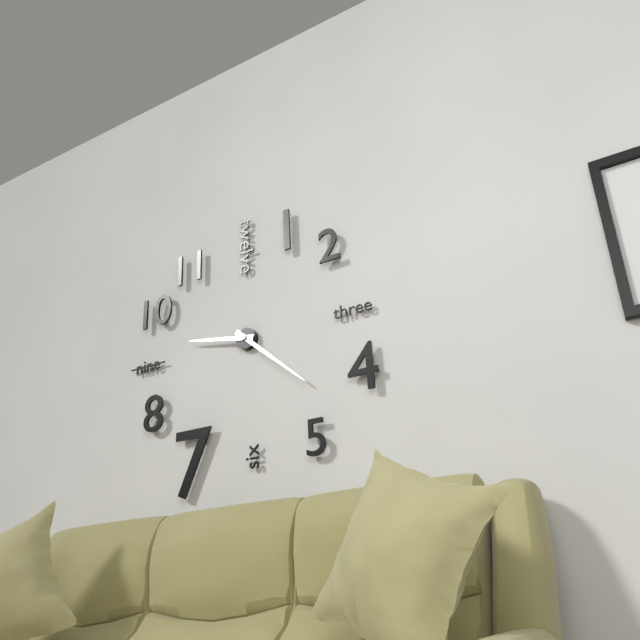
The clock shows h=9 m=22
